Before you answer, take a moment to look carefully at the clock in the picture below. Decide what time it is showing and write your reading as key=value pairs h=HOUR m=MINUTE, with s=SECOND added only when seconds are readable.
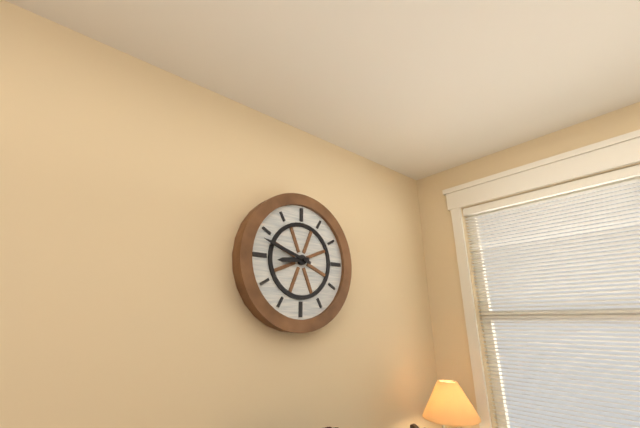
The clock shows h=8 m=48
